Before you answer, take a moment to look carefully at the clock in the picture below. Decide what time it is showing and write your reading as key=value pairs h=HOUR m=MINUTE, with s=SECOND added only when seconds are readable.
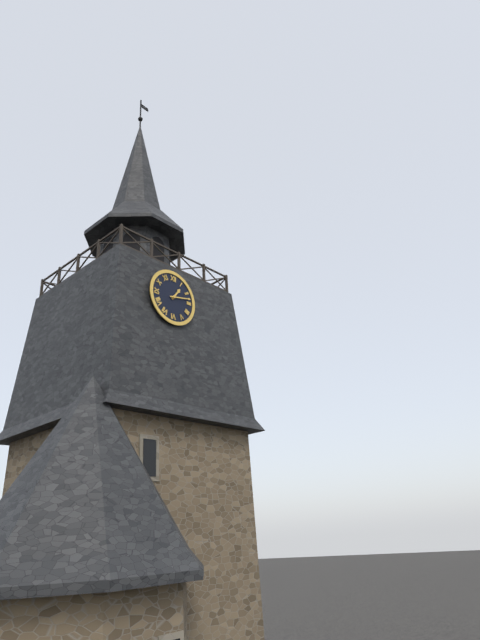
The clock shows h=1 m=13
